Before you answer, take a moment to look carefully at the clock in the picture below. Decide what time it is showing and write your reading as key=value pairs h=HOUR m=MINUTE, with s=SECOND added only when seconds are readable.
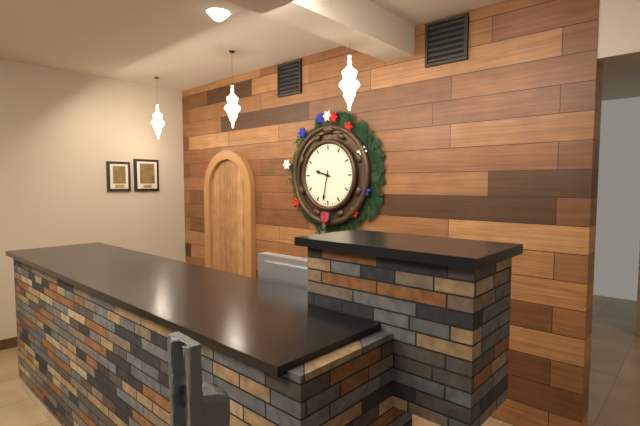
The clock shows h=9 m=32
